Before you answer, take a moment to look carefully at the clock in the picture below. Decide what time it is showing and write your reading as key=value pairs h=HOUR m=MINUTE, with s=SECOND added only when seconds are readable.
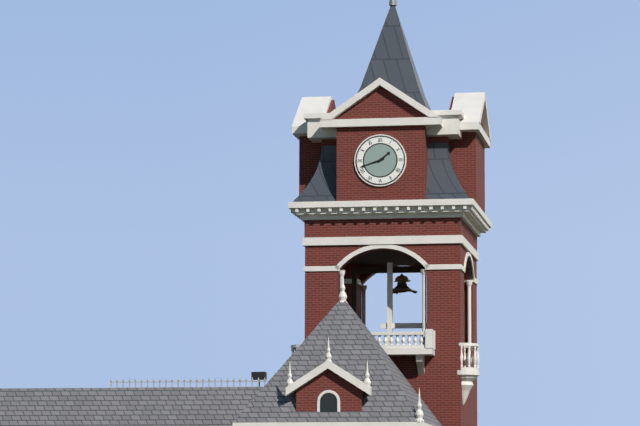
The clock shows h=1 m=42
